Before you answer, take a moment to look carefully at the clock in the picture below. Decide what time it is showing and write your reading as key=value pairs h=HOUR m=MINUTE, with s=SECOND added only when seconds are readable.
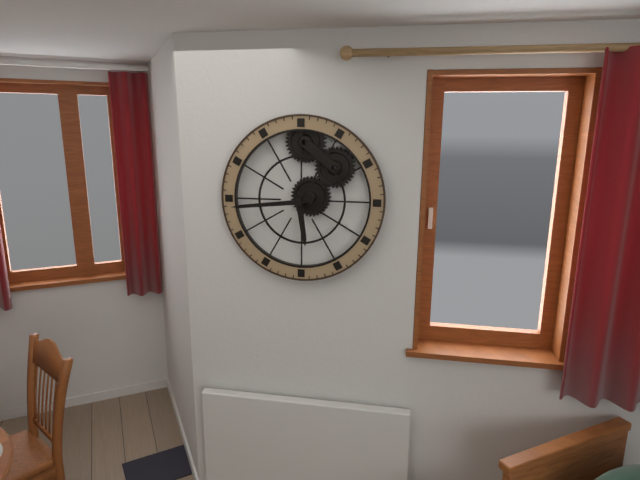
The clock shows h=5 m=44
